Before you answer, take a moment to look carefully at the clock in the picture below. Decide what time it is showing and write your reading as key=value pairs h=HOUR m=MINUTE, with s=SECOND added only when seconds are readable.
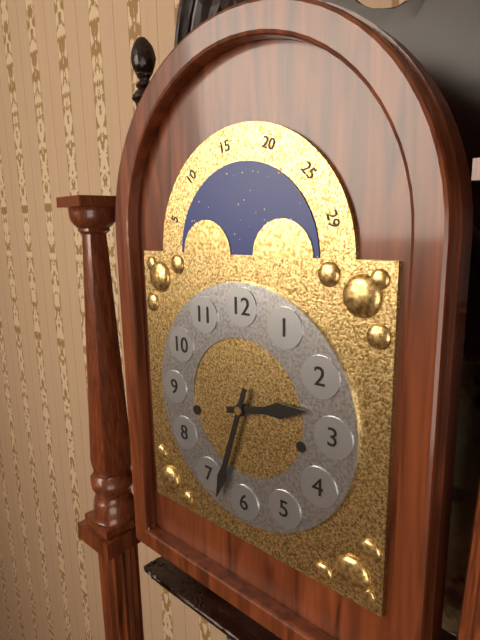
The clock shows h=2 m=33
